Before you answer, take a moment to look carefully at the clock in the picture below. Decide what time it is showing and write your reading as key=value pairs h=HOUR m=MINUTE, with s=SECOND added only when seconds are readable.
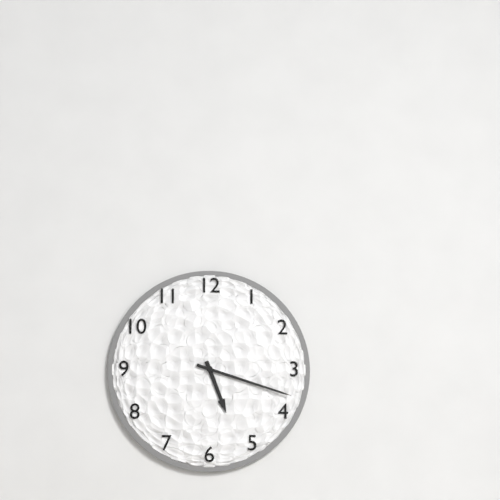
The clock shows h=5 m=18
